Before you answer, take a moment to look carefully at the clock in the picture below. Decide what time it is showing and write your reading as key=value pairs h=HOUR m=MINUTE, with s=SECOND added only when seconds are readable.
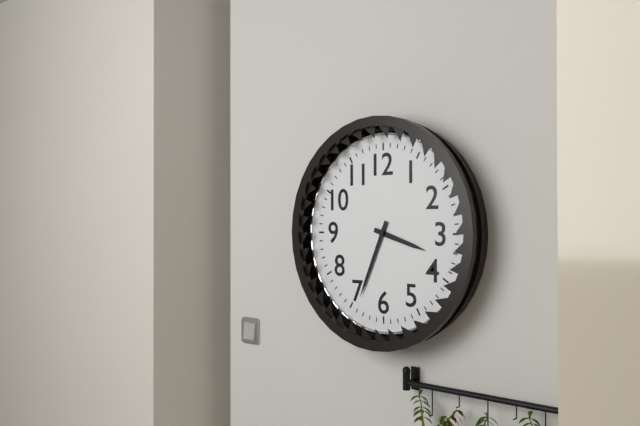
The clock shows h=3 m=34
